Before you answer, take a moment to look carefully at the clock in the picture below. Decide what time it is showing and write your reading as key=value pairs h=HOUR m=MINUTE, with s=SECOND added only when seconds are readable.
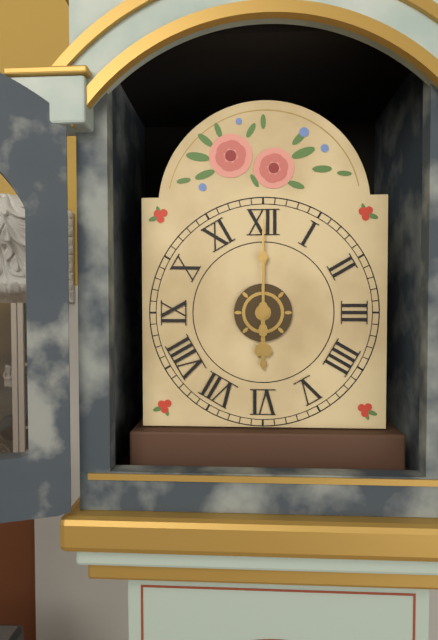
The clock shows h=6 m=0
